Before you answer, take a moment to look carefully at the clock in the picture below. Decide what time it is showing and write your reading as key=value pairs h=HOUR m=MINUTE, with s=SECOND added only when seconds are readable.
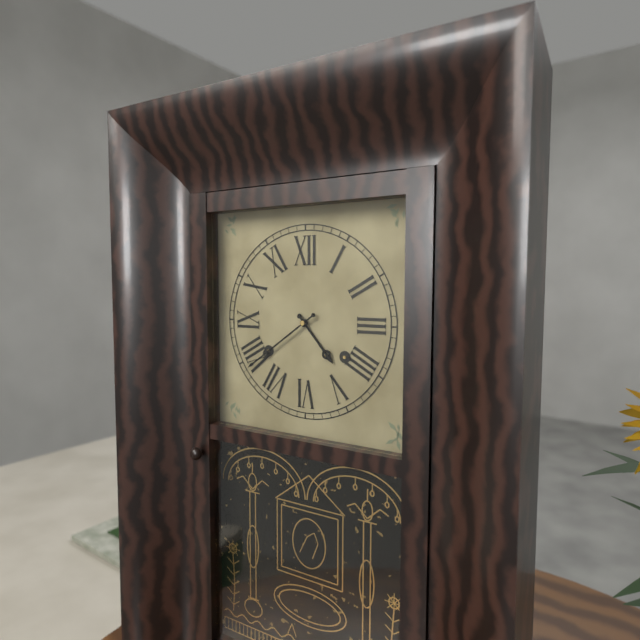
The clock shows h=4 m=39
